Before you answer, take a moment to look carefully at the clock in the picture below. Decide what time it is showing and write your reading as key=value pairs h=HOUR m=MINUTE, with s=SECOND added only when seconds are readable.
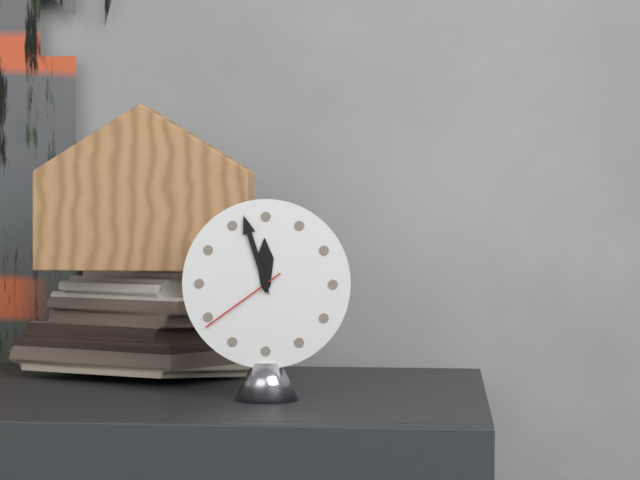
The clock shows h=11 m=57 s=39
